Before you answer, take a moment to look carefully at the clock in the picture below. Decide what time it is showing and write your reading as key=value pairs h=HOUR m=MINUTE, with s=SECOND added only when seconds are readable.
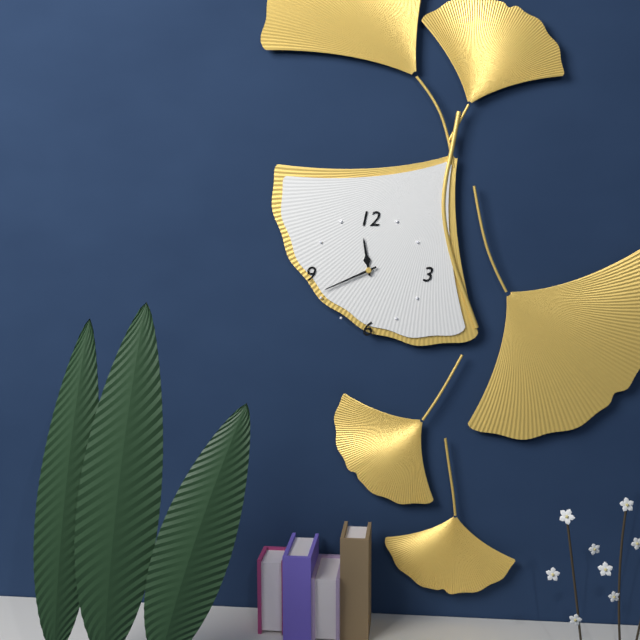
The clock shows h=11 m=41
